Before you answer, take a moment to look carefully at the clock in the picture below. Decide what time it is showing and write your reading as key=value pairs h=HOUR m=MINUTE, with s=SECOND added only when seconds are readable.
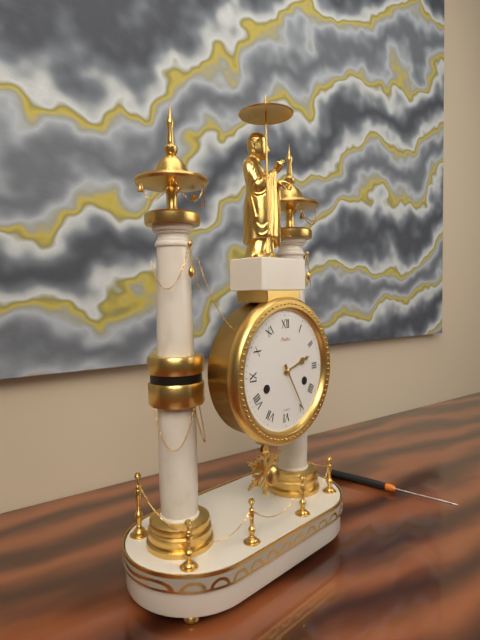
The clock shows h=2 m=25
